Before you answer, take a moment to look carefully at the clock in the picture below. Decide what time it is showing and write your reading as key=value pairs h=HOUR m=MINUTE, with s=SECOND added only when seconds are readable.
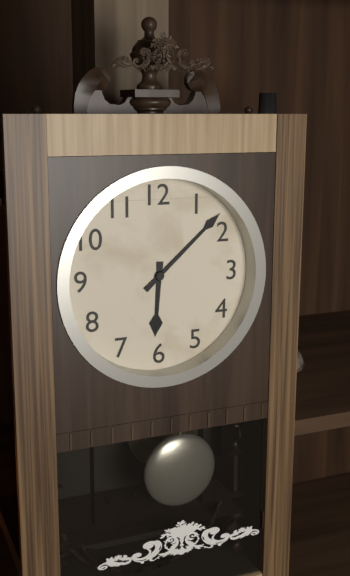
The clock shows h=6 m=8
